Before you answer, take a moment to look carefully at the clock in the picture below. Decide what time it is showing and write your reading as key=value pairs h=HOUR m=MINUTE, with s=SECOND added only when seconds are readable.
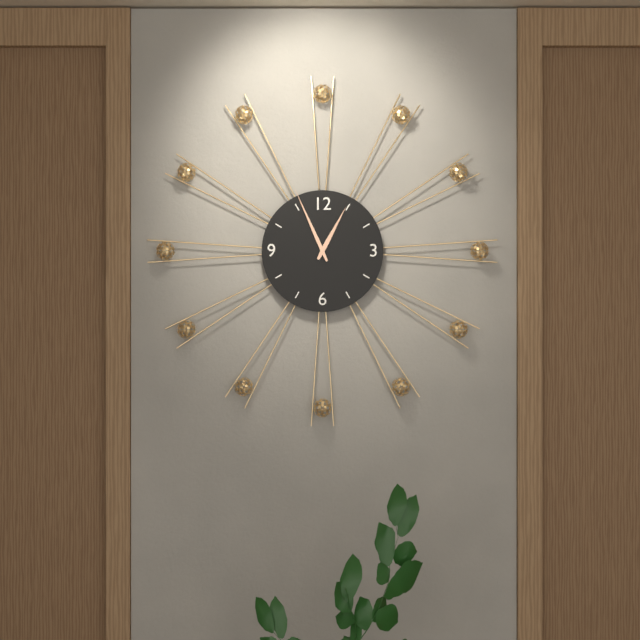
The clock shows h=12 m=56
